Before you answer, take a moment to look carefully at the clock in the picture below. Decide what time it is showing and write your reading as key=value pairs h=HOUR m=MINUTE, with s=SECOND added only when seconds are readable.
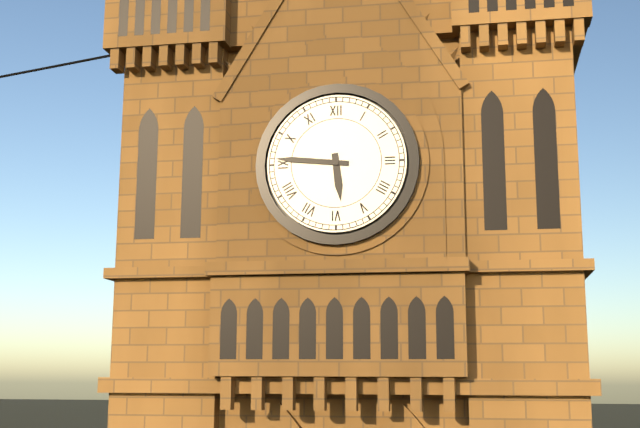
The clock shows h=5 m=46
